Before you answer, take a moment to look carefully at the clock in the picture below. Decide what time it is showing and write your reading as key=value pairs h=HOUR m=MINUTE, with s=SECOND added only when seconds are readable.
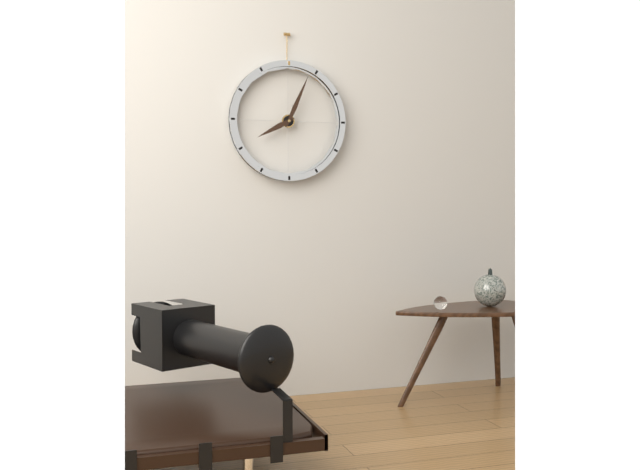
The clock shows h=8 m=4
